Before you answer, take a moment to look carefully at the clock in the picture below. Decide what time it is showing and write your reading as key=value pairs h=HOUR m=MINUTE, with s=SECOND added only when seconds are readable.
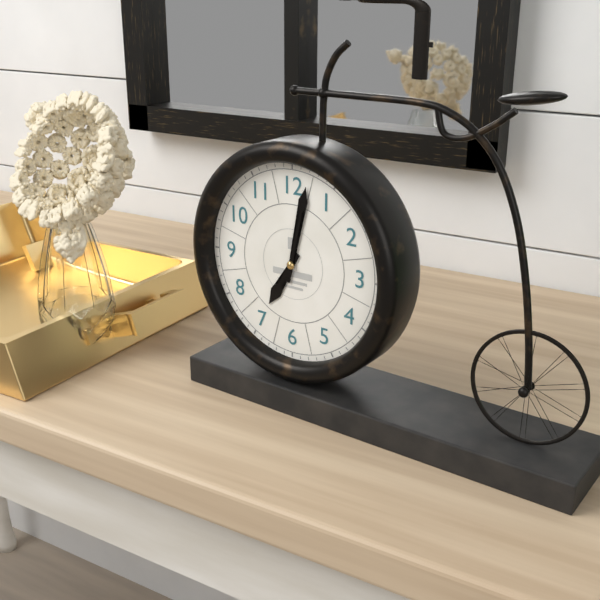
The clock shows h=7 m=2
